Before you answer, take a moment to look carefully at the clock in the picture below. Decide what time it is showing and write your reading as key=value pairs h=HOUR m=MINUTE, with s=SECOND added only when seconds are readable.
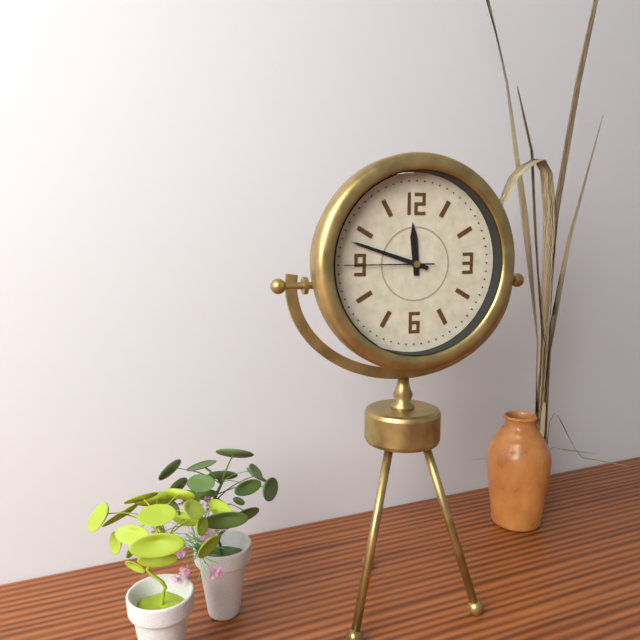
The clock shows h=11 m=48 s=45
